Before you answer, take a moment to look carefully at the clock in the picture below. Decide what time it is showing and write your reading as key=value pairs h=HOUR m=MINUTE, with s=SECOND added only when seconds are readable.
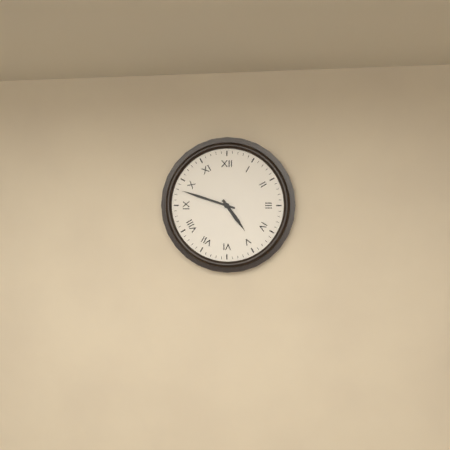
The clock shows h=4 m=48
